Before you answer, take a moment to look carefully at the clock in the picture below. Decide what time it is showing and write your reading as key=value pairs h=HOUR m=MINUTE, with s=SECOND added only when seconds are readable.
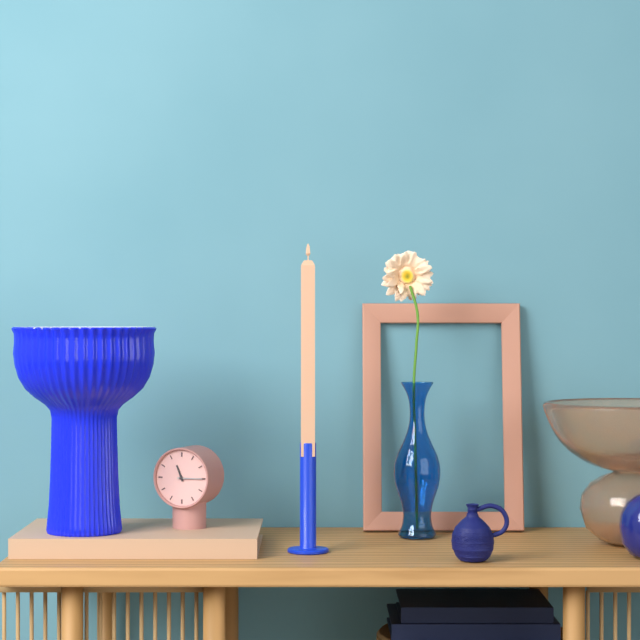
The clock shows h=11 m=15
